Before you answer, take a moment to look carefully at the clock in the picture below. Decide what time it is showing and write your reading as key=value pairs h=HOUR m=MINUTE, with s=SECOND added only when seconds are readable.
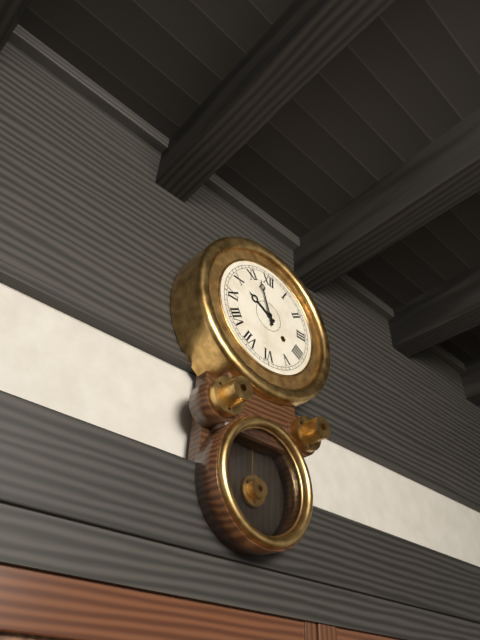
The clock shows h=9 m=57
